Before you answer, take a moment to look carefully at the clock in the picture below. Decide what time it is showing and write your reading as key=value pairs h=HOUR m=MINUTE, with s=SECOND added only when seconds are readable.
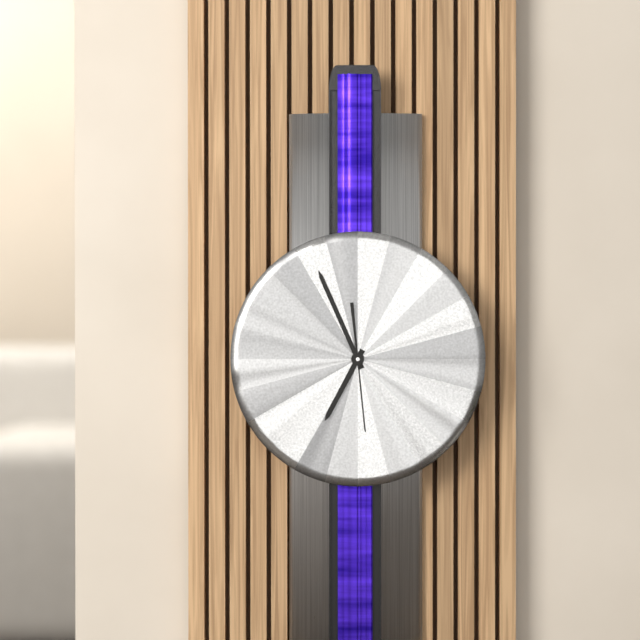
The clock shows h=6 m=56 s=29
